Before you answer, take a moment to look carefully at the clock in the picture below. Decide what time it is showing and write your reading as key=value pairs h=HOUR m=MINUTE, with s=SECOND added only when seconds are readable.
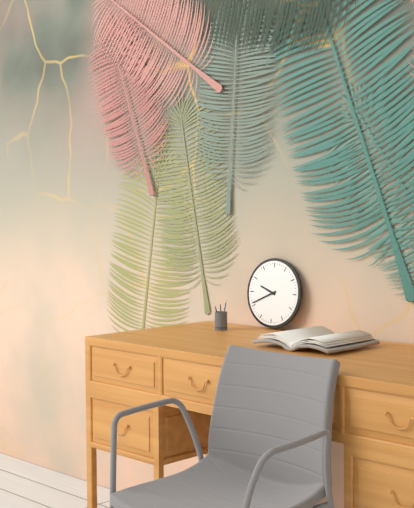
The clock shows h=9 m=41
